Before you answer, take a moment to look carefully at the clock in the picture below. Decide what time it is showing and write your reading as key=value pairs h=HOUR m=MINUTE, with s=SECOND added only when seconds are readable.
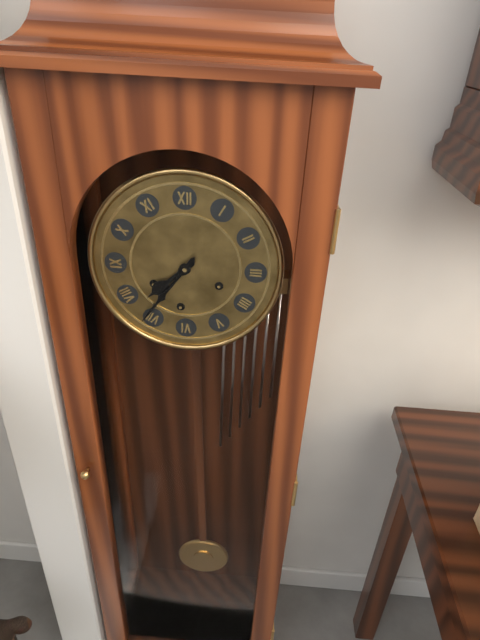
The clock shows h=7 m=36
